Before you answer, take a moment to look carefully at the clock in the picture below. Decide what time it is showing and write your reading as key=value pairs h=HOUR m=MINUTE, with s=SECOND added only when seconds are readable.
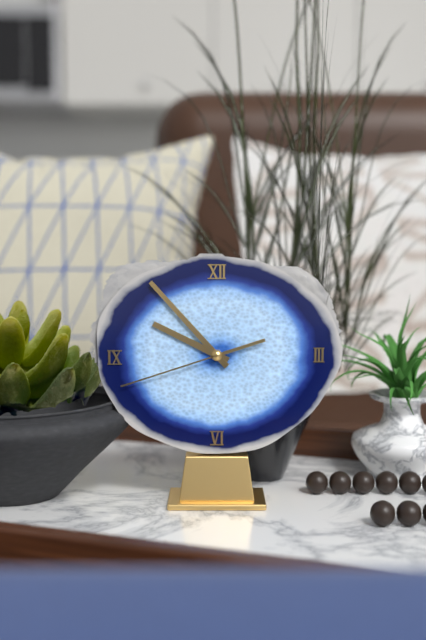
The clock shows h=9 m=53 s=42
